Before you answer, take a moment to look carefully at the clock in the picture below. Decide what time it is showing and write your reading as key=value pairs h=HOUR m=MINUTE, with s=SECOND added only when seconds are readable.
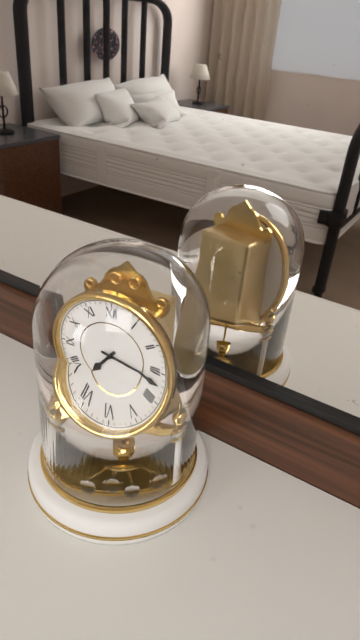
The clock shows h=7 m=17
